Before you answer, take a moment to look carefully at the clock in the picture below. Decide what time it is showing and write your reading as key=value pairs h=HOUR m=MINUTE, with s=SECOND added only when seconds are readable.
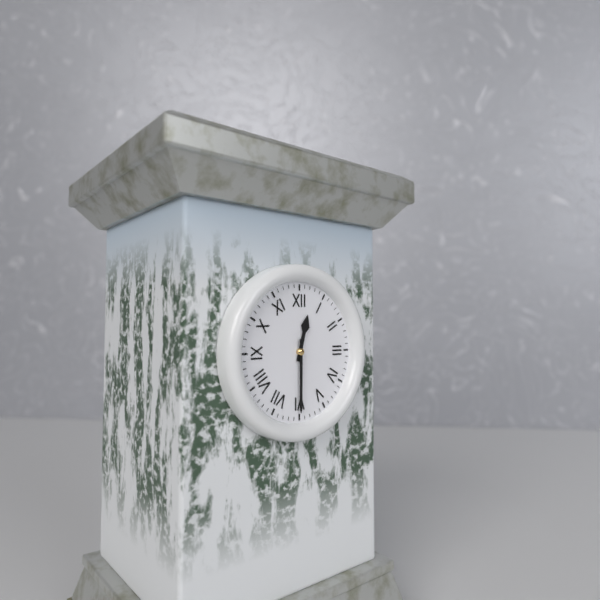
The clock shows h=12 m=30
